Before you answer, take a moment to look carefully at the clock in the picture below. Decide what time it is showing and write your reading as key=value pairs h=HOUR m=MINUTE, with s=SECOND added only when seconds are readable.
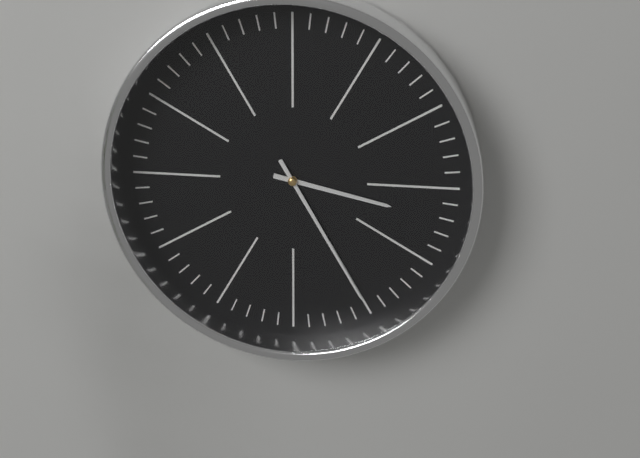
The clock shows h=3 m=25
